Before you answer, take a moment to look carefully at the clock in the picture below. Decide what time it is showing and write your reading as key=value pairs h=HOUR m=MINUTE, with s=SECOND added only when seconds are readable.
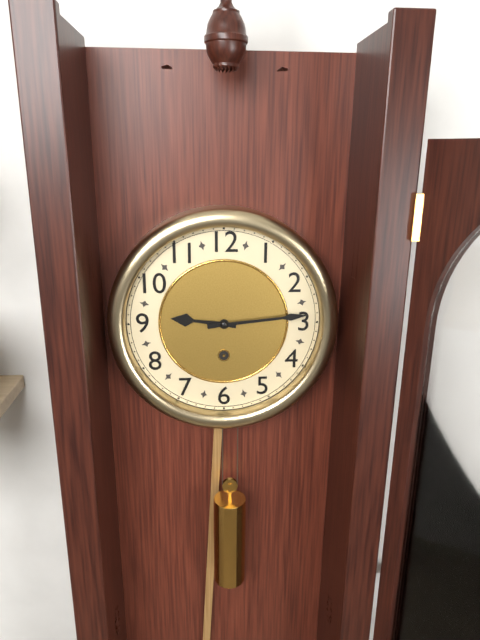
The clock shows h=9 m=14
